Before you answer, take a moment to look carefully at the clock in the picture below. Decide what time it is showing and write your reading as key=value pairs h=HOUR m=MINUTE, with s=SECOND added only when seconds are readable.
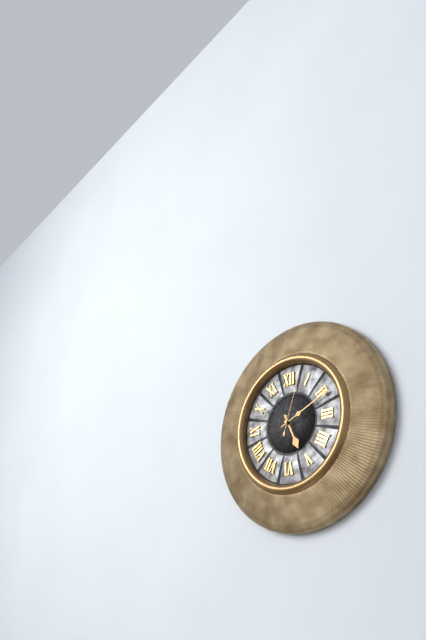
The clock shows h=5 m=11 s=3
